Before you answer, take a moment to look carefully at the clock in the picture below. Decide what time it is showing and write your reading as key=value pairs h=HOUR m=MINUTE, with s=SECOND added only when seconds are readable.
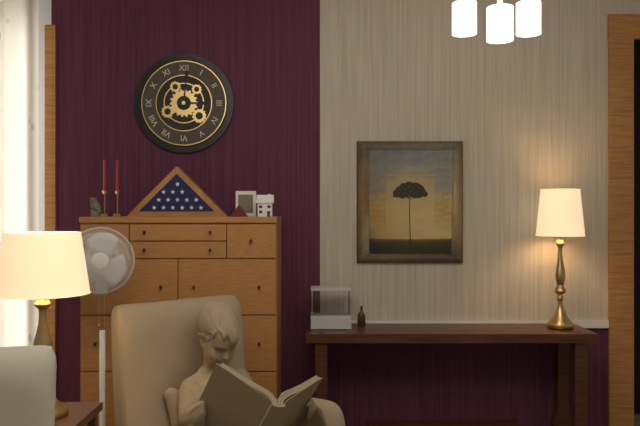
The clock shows h=3 m=1
